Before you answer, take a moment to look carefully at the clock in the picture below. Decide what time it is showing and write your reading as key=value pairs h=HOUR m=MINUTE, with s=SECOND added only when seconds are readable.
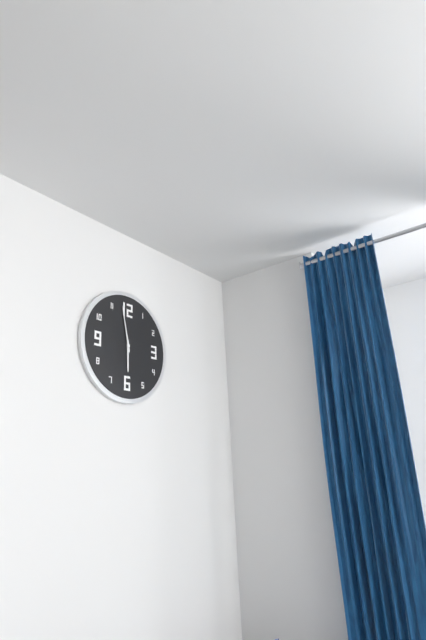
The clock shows h=5 m=58
